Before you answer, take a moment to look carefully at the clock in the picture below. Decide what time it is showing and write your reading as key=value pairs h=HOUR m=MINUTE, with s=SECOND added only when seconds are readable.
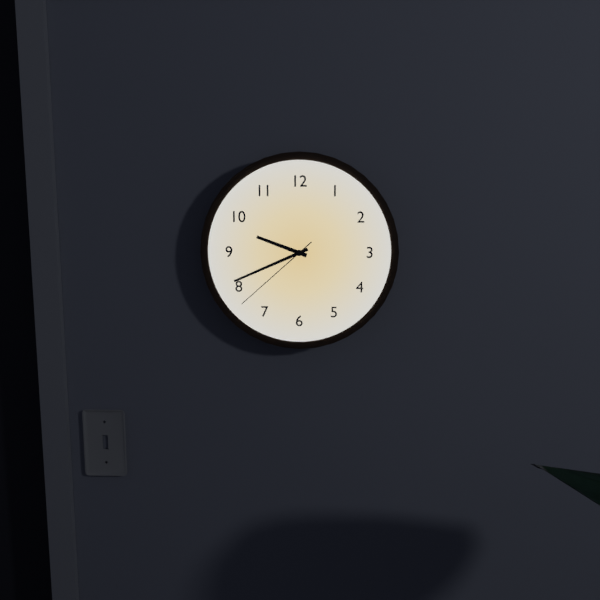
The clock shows h=9 m=41 s=38
